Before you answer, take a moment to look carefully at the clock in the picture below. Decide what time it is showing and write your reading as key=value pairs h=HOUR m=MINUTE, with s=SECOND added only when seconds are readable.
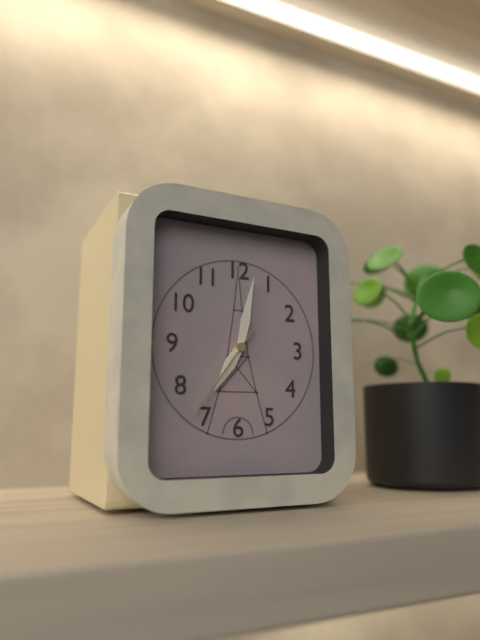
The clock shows h=7 m=2 s=36
